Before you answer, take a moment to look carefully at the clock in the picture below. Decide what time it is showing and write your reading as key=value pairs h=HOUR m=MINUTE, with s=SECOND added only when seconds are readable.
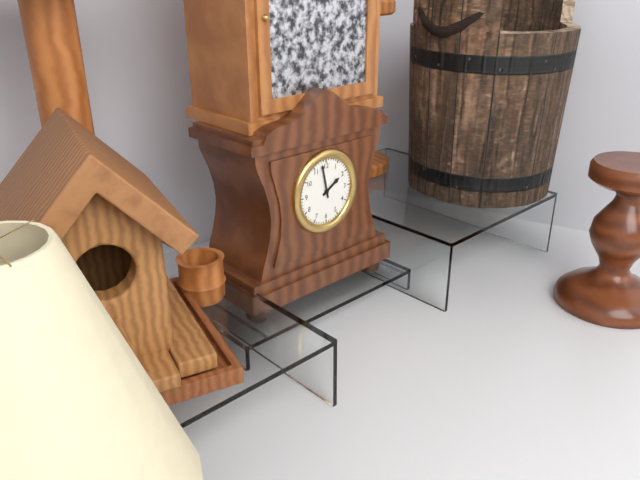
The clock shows h=1 m=58
